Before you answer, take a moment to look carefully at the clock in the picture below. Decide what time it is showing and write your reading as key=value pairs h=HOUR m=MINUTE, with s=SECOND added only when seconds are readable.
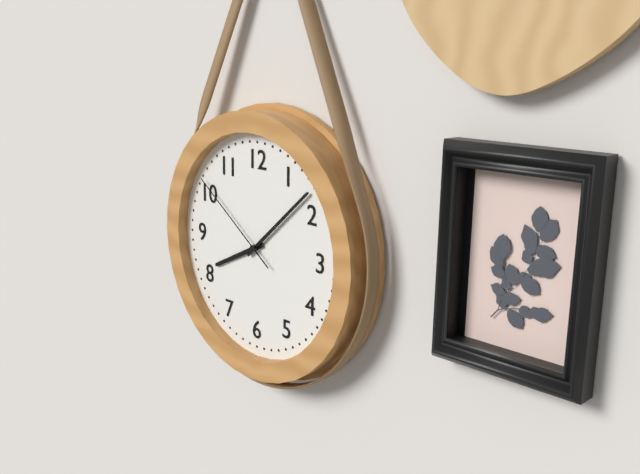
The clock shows h=8 m=8 s=51
